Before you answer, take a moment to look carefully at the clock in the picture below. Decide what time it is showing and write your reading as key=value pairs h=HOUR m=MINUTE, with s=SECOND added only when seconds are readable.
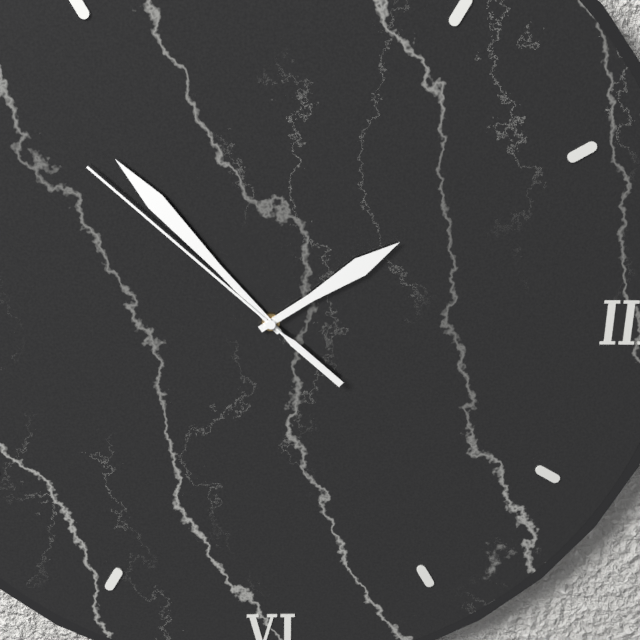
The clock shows h=1 m=53 s=52
